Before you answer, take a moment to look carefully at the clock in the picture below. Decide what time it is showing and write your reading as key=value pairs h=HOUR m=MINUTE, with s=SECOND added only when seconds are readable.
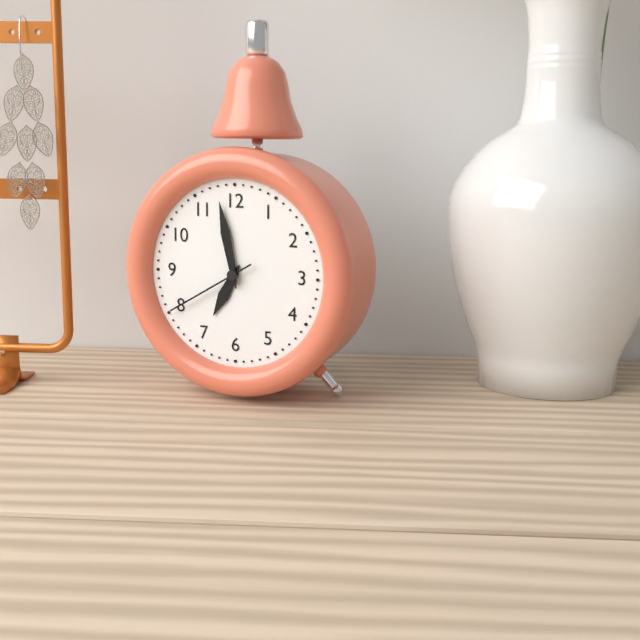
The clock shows h=6 m=58 s=40
